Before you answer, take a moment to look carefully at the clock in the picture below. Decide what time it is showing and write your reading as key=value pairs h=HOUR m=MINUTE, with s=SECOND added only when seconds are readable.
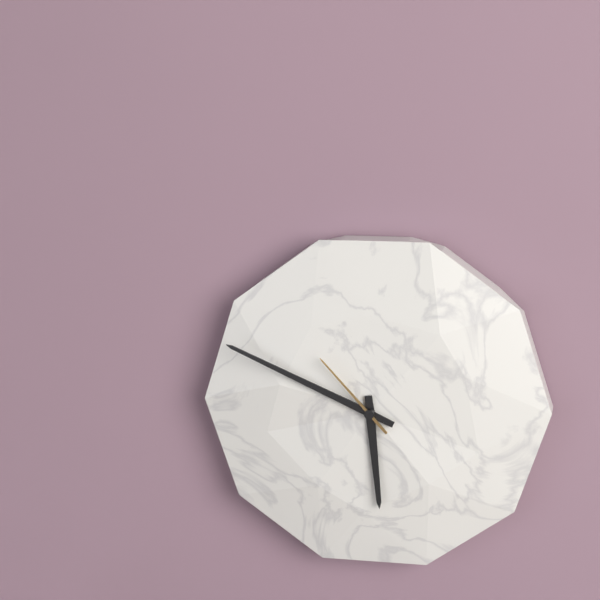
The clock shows h=5 m=49 s=53
